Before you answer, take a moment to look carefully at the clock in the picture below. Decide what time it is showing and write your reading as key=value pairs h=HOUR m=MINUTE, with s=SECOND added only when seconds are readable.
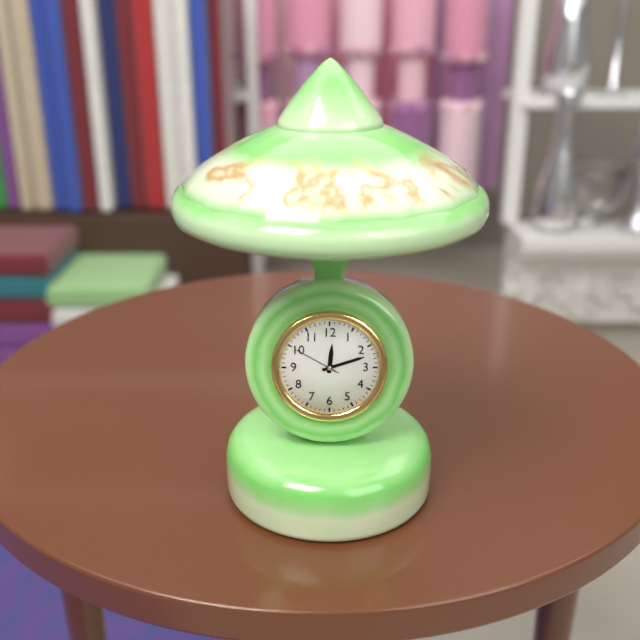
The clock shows h=12 m=12
